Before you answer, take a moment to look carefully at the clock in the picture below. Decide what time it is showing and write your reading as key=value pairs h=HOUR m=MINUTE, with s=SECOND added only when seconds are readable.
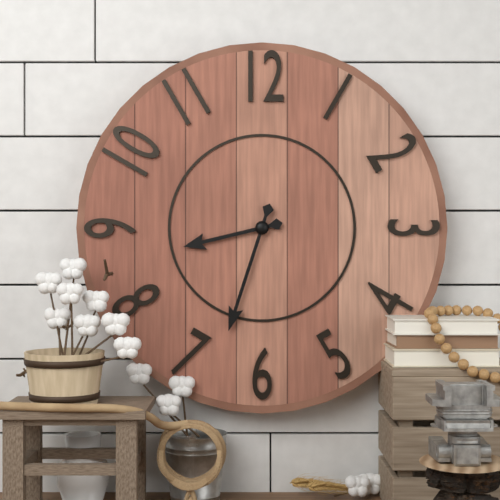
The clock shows h=8 m=33
